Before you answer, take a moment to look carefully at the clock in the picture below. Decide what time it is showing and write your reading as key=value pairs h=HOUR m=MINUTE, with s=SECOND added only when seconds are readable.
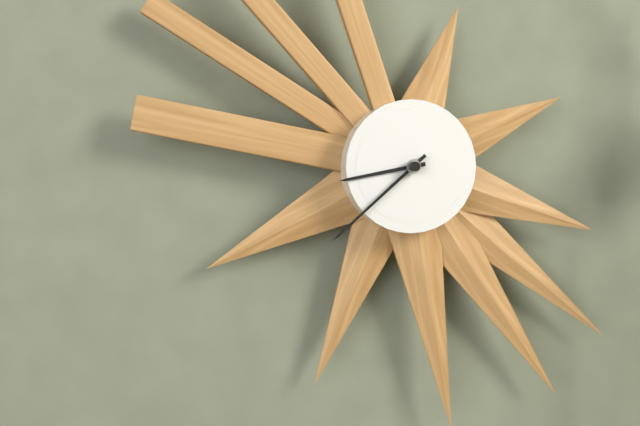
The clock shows h=8 m=38
